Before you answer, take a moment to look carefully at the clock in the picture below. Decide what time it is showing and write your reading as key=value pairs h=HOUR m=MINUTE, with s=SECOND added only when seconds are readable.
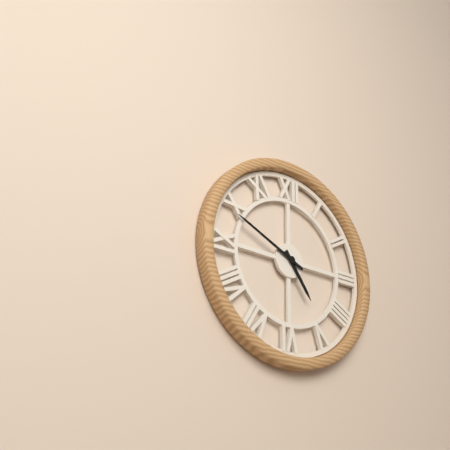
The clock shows h=4 m=49
